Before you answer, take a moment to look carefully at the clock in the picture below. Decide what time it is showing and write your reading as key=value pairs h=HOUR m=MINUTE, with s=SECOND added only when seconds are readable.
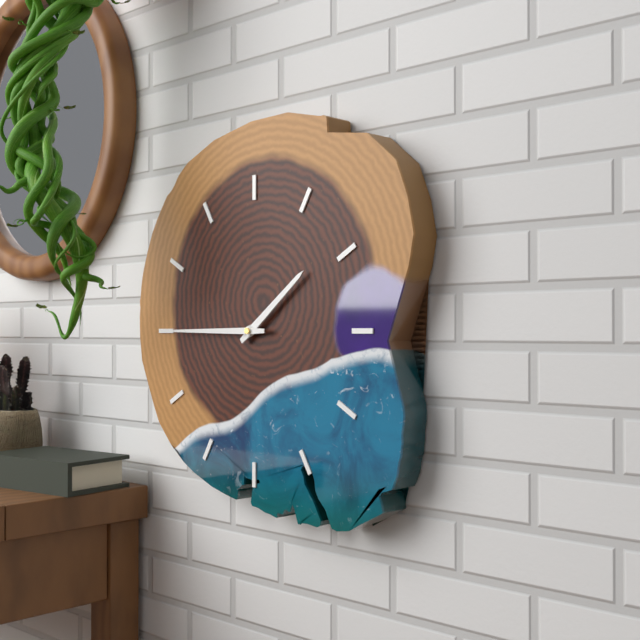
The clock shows h=1 m=45
